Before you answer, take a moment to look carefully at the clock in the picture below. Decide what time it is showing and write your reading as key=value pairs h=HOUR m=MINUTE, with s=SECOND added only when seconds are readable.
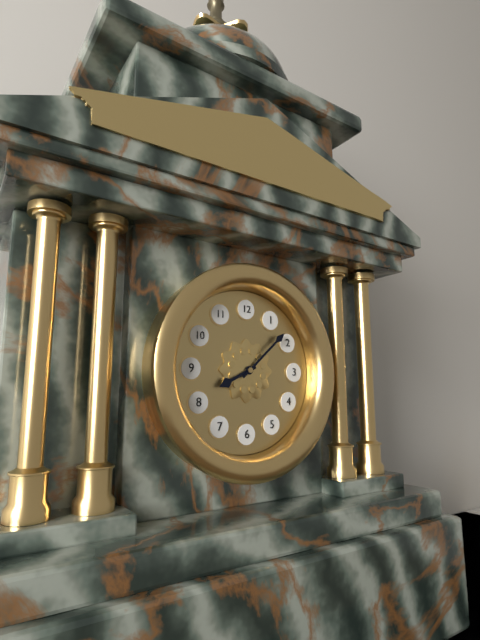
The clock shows h=8 m=8
